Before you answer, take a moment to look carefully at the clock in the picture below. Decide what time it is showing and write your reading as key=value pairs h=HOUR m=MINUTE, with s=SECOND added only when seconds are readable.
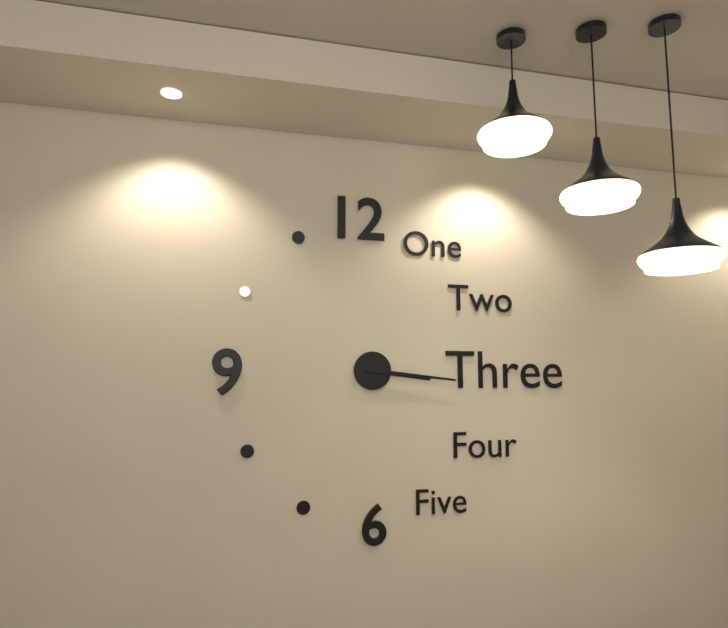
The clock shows h=3 m=16
